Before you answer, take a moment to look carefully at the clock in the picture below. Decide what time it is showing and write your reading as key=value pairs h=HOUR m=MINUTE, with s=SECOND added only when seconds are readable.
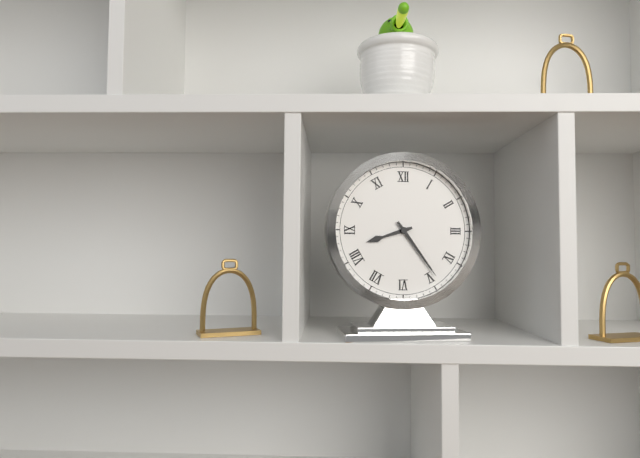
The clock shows h=8 m=24
